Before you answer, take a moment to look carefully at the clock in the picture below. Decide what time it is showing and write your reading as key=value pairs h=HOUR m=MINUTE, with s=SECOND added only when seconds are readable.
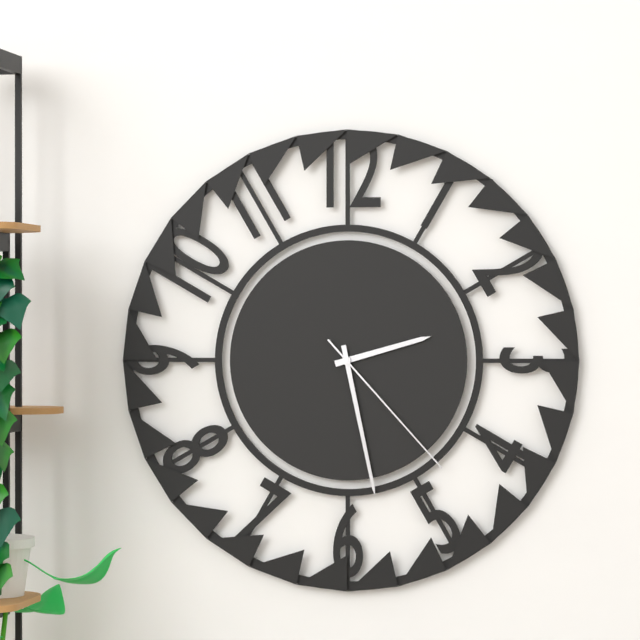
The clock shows h=2 m=28 s=23
